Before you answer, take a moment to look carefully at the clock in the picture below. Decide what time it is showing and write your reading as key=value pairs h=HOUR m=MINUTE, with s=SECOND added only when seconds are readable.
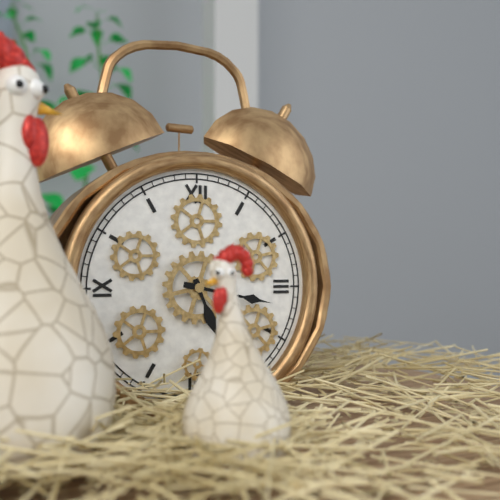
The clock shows h=5 m=17
